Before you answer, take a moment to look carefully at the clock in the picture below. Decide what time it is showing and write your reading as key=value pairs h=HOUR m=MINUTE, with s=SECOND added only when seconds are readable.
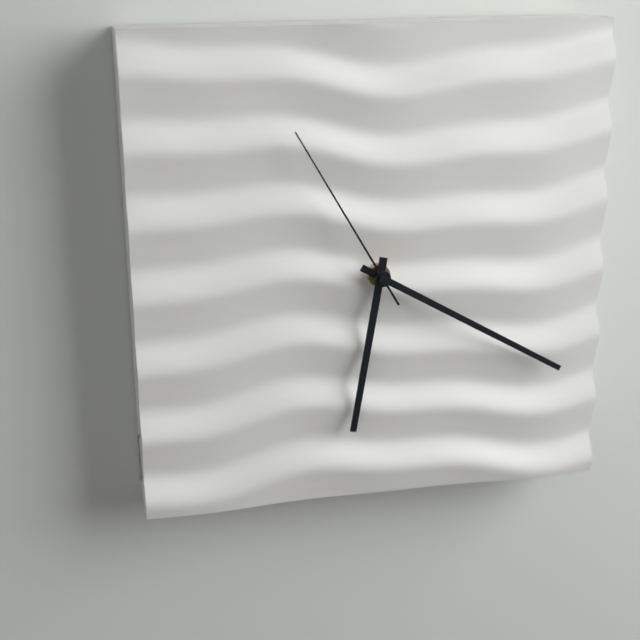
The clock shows h=6 m=20 s=55
